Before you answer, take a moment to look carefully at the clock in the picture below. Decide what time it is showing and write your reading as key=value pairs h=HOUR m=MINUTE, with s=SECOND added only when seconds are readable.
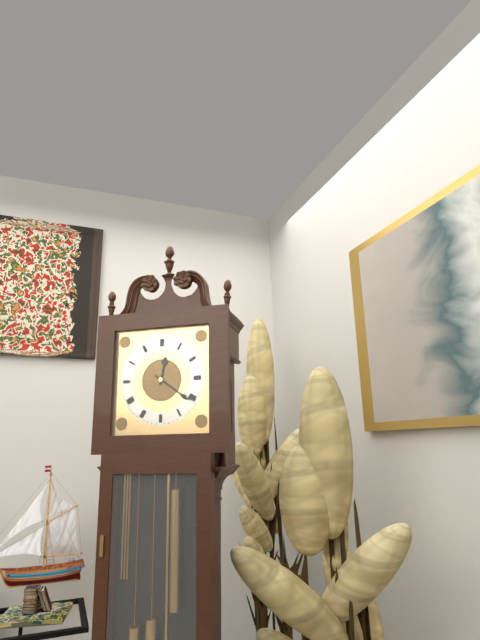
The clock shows h=12 m=21
